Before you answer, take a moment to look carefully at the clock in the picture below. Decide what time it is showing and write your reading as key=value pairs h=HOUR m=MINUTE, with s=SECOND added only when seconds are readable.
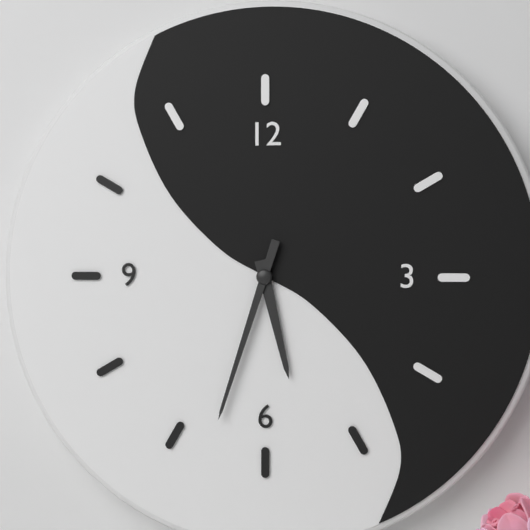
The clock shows h=5 m=33
